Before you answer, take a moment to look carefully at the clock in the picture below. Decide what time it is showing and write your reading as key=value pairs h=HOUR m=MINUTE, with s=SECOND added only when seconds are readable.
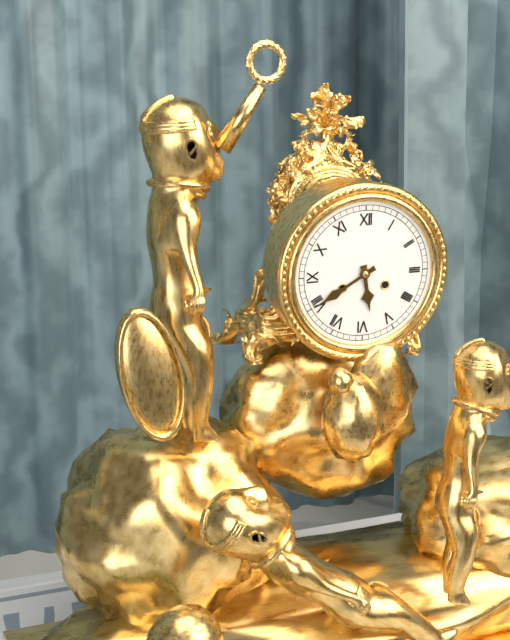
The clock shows h=5 m=40
